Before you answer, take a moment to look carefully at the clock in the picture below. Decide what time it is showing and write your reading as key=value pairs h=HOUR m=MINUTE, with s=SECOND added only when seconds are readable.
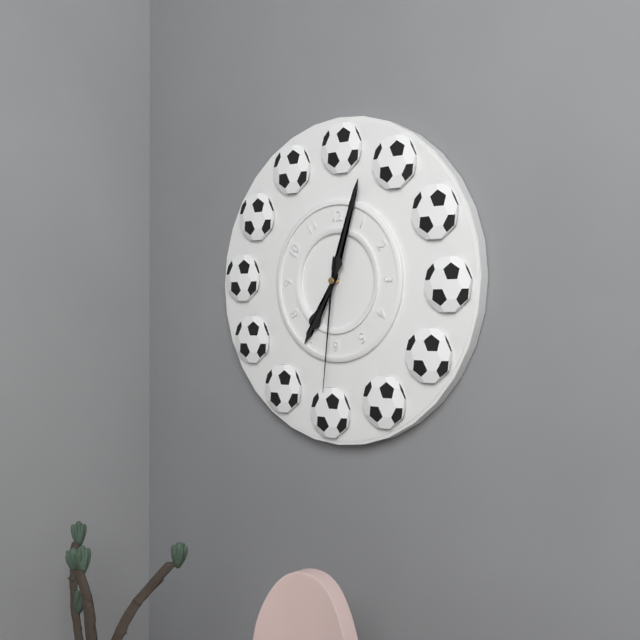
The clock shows h=7 m=3 s=31
